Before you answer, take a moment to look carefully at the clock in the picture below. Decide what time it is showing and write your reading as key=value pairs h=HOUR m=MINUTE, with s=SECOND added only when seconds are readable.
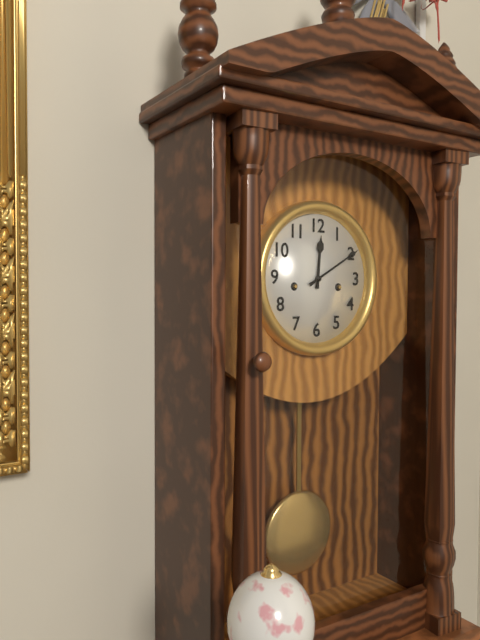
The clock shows h=12 m=10
